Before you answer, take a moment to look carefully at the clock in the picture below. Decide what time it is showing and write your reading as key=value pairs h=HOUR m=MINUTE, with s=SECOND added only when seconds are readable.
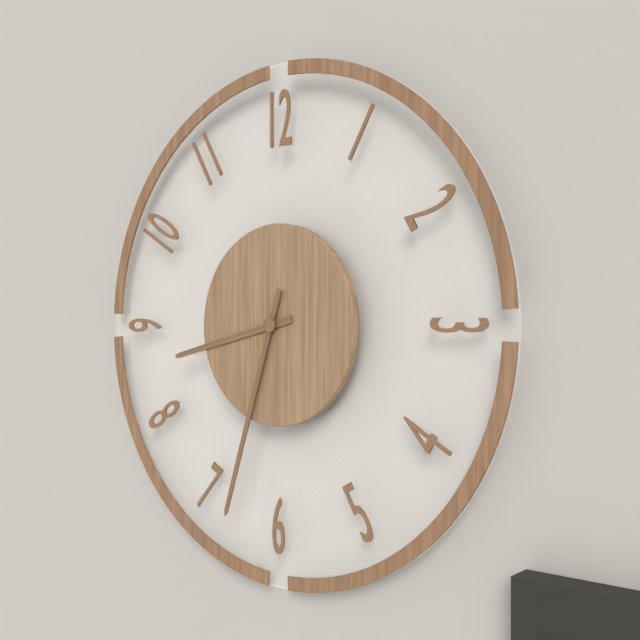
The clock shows h=8 m=33
